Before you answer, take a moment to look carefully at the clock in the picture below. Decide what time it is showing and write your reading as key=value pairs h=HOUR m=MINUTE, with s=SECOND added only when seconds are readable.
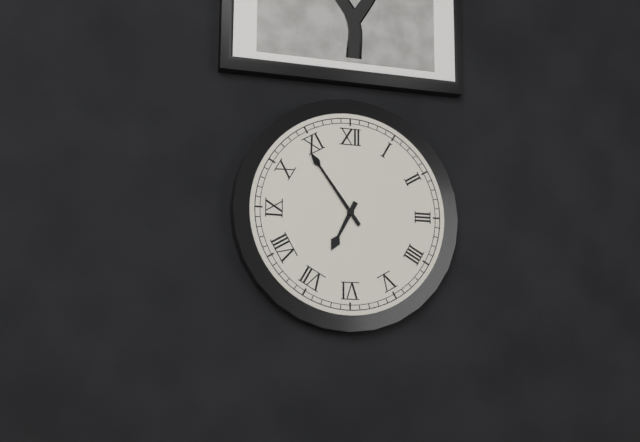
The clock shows h=6 m=54
